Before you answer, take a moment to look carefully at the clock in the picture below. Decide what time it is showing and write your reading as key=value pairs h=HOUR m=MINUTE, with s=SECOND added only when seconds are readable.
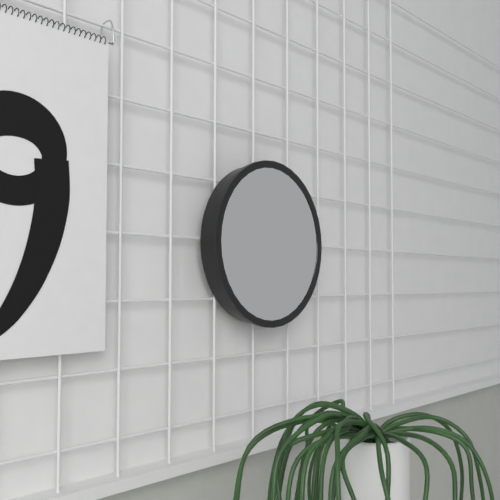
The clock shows h=5 m=31
